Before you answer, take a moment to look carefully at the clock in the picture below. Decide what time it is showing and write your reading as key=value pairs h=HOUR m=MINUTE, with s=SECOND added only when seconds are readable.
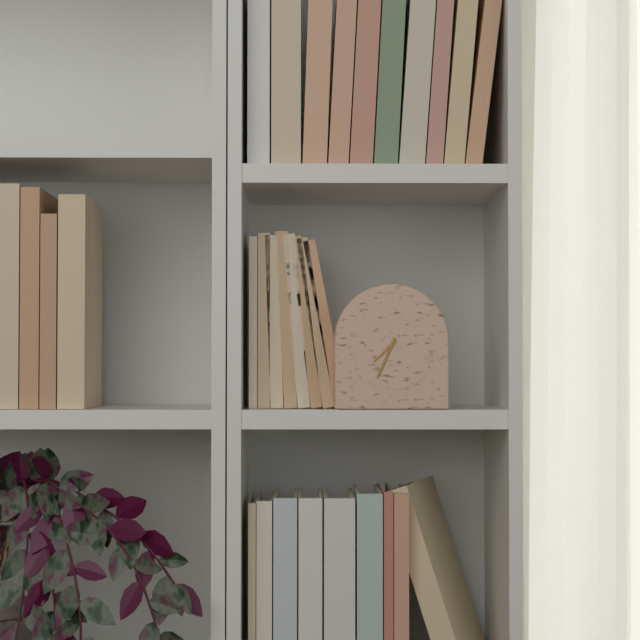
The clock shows h=7 m=34
